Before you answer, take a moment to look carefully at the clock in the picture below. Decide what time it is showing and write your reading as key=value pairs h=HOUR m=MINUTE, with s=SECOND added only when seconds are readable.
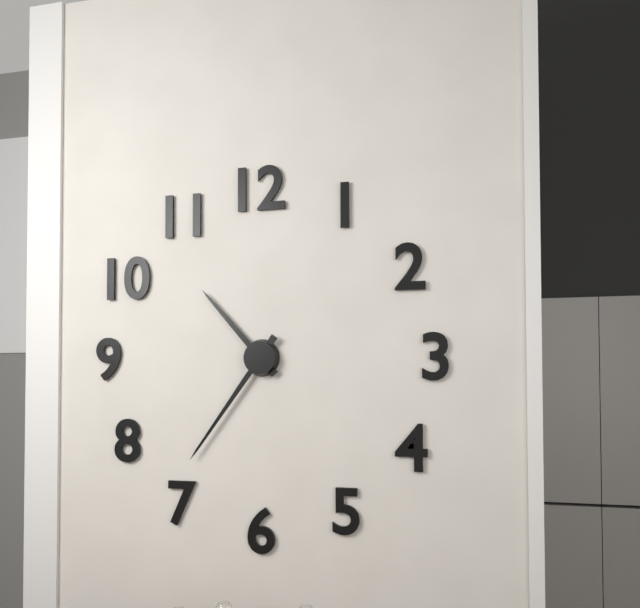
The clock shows h=10 m=36
